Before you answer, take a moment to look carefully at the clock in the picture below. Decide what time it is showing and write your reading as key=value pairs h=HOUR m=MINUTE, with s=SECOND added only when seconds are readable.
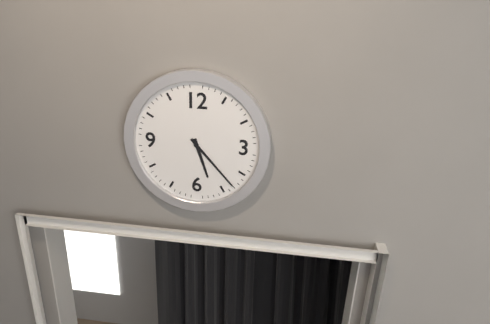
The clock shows h=5 m=23
